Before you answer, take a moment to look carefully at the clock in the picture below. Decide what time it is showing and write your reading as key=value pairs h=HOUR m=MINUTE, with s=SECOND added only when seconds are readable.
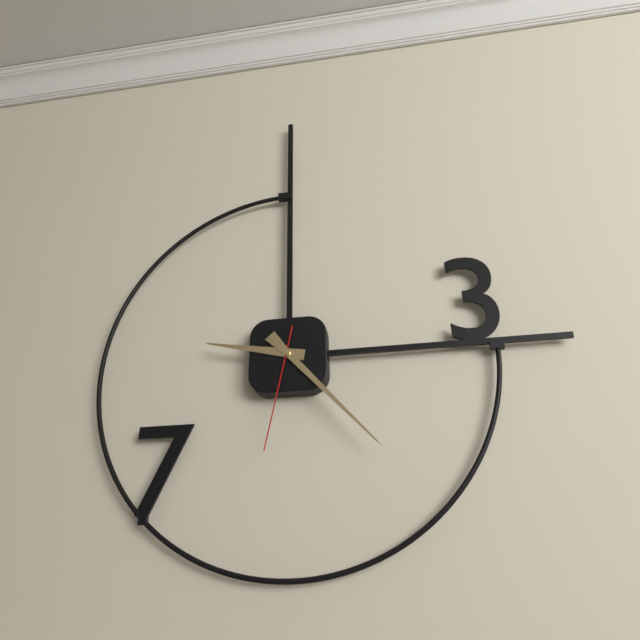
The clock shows h=9 m=23 s=32
